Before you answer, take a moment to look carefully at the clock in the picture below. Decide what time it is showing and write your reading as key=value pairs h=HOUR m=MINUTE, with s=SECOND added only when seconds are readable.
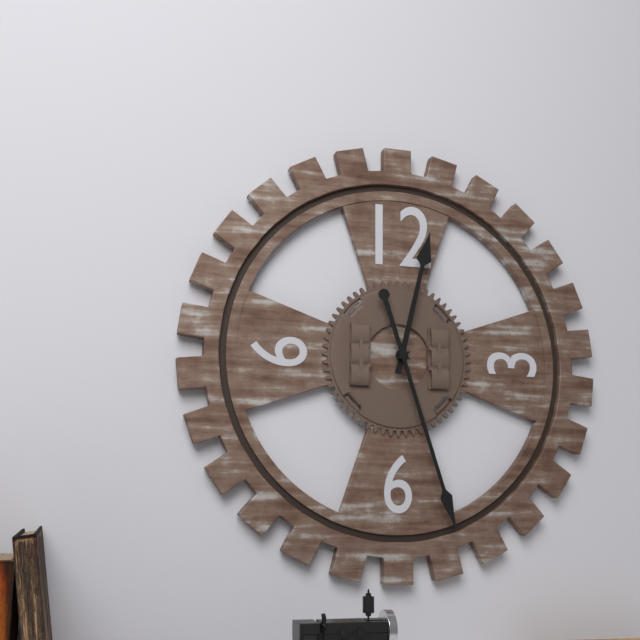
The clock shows h=12 m=27
